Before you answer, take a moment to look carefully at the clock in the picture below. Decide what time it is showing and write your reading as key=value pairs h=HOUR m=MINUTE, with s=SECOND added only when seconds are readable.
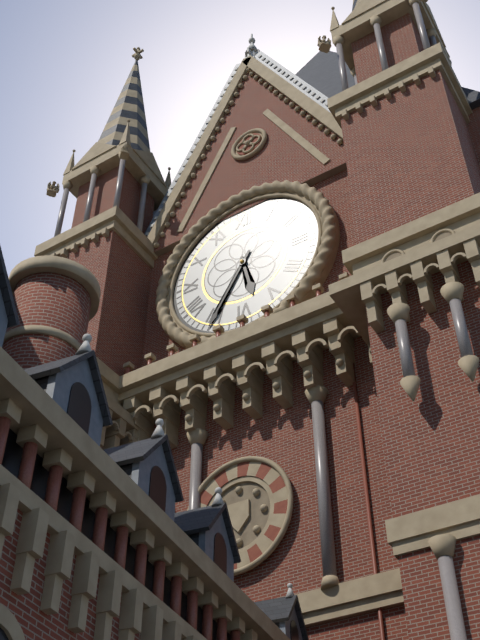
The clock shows h=5 m=35
